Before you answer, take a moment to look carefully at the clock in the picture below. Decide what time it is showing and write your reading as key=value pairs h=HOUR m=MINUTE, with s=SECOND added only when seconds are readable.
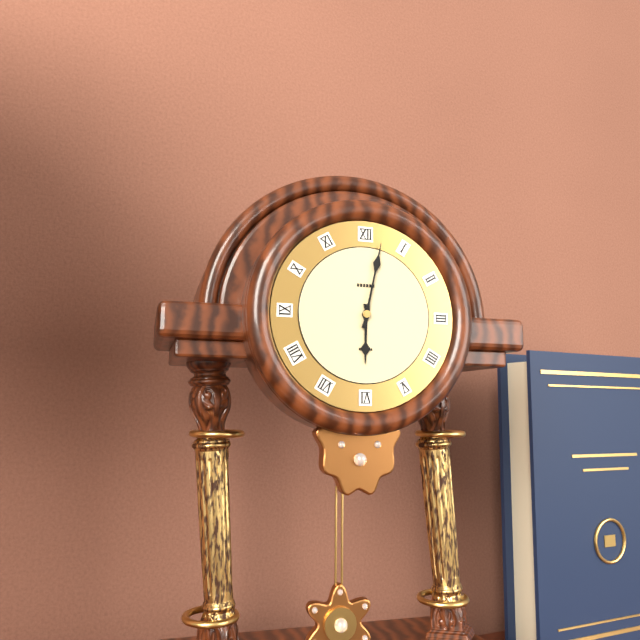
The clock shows h=6 m=2
